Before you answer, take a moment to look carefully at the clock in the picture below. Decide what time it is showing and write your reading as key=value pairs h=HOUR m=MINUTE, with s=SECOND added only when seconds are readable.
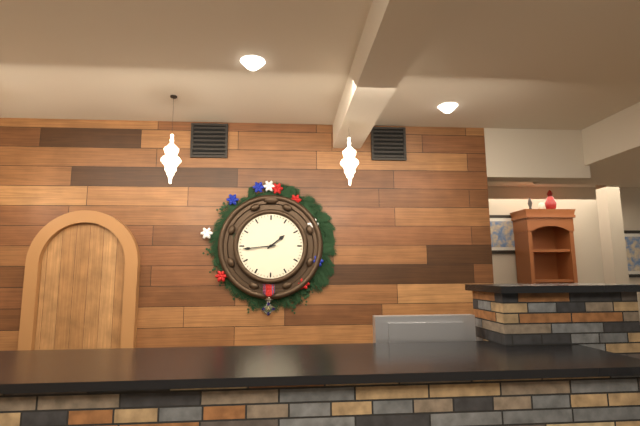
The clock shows h=1 m=44
